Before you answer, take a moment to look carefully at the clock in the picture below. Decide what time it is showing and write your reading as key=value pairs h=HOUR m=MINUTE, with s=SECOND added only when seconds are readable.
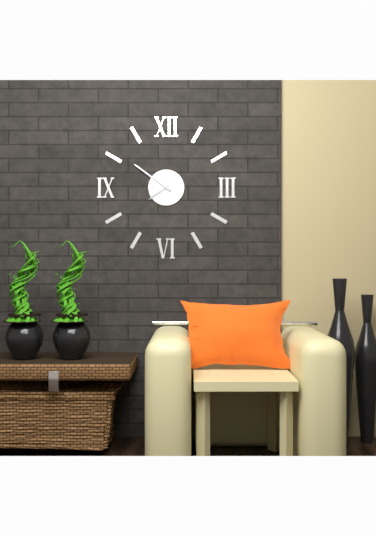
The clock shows h=7 m=51
